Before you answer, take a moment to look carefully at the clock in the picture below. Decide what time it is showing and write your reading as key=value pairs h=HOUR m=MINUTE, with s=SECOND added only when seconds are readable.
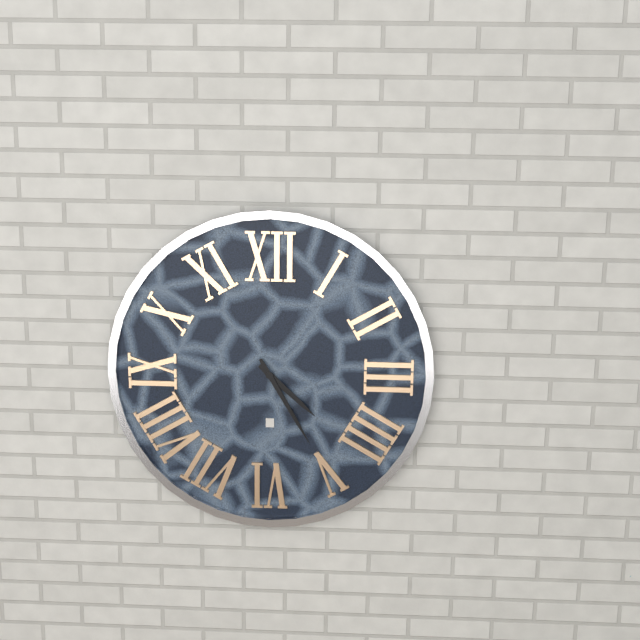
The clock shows h=4 m=25
